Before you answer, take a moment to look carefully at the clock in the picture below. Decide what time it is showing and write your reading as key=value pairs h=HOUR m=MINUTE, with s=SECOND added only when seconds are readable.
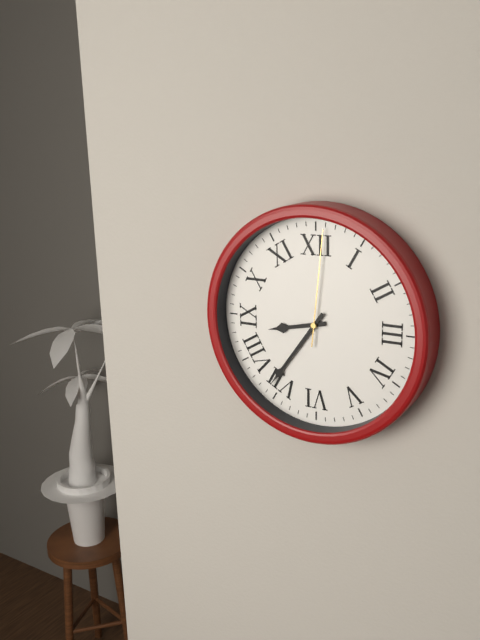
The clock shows h=8 m=36 s=1
